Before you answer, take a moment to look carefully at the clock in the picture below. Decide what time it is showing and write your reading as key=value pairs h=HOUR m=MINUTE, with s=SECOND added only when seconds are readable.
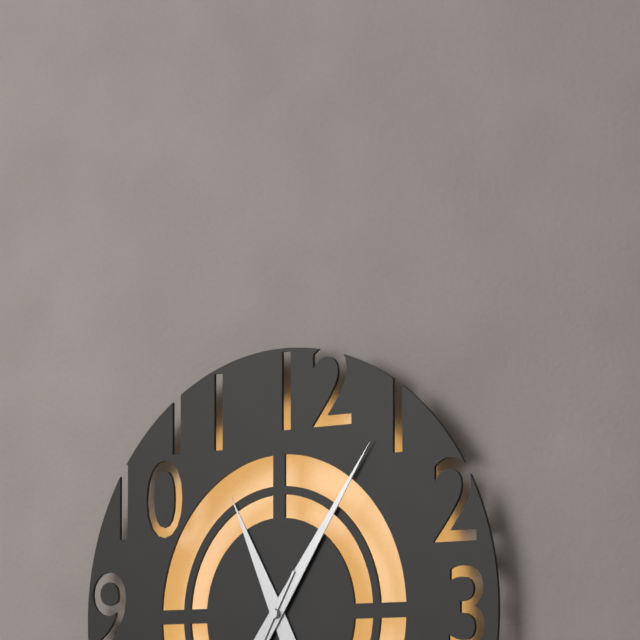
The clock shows h=11 m=6
